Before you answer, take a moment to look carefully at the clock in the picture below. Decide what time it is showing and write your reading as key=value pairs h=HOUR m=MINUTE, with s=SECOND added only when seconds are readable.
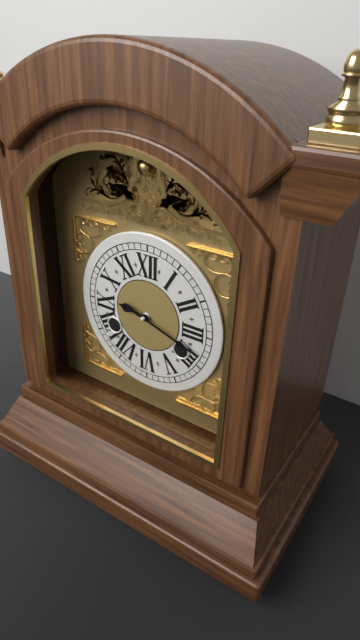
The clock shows h=9 m=18
